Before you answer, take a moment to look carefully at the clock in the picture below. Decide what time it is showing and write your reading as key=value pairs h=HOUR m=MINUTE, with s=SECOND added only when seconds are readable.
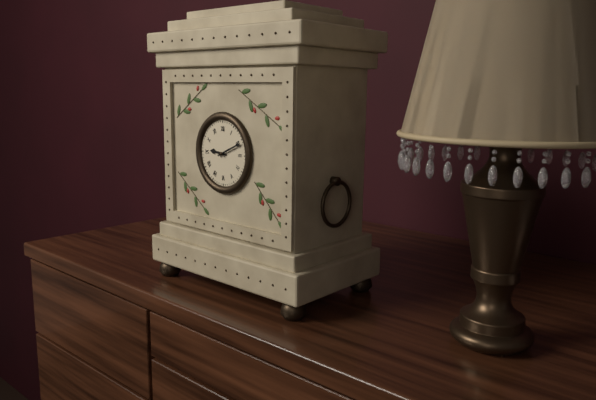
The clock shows h=9 m=11
